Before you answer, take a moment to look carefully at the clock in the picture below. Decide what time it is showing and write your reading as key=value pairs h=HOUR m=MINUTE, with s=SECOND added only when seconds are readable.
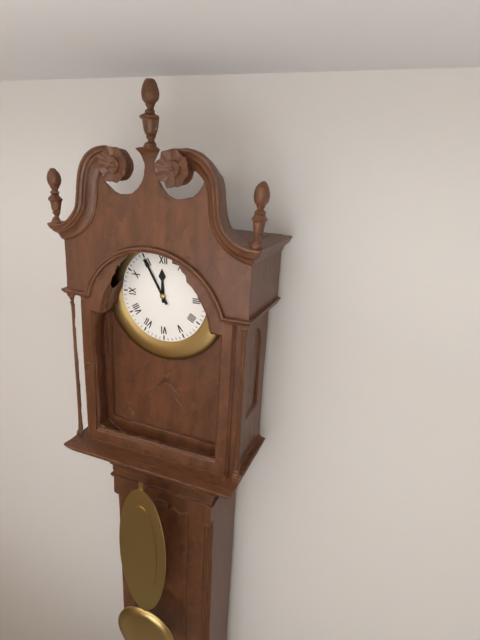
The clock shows h=11 m=55
